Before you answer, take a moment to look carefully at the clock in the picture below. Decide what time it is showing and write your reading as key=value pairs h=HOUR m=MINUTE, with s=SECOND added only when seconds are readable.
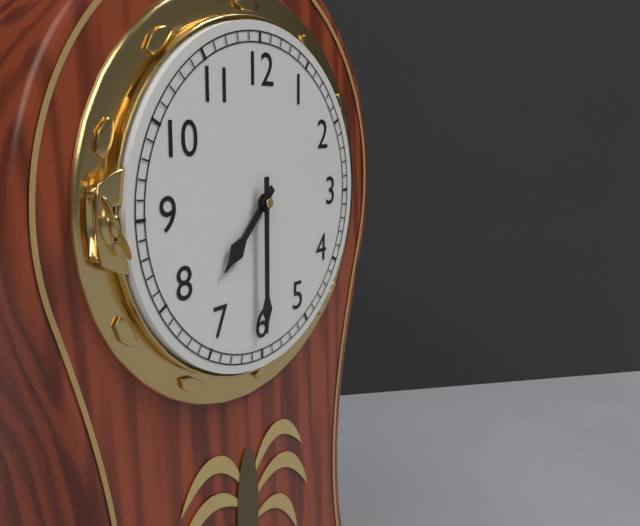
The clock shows h=7 m=30
